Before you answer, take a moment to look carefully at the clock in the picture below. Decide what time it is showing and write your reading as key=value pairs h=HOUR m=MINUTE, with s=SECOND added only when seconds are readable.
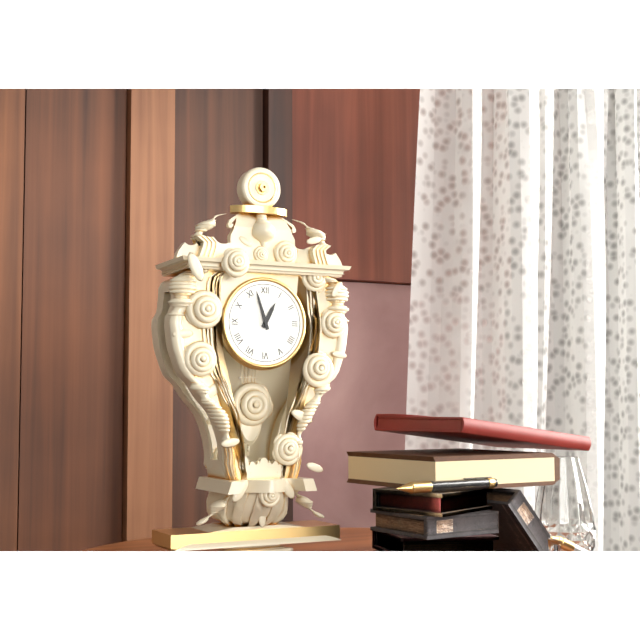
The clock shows h=12 m=57
